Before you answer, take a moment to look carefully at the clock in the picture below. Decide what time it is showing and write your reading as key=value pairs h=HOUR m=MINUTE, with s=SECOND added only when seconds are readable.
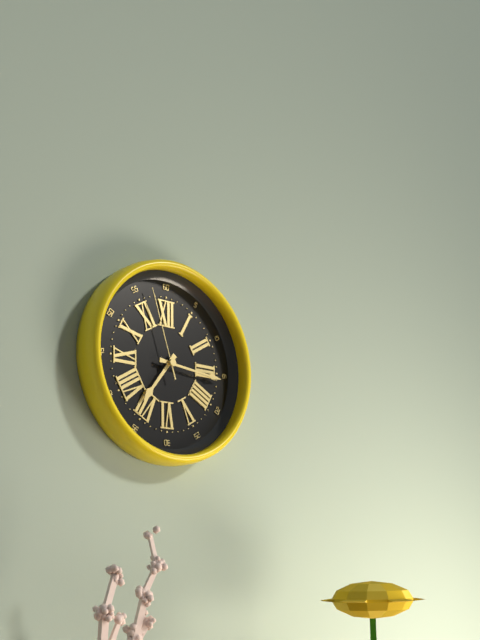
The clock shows h=7 m=16 s=57
